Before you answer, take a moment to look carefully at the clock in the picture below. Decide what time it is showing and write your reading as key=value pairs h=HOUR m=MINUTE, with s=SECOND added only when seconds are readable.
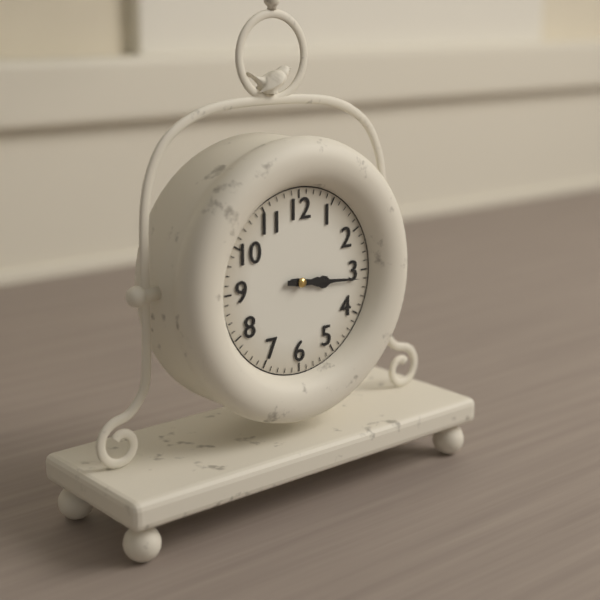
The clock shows h=3 m=16
